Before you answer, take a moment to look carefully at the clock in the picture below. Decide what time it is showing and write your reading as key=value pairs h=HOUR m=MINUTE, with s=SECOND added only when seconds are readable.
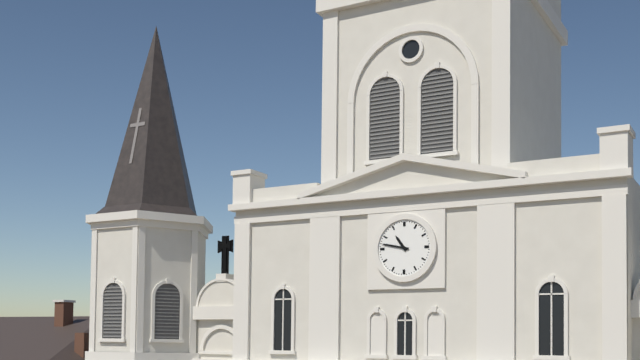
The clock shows h=10 m=47
